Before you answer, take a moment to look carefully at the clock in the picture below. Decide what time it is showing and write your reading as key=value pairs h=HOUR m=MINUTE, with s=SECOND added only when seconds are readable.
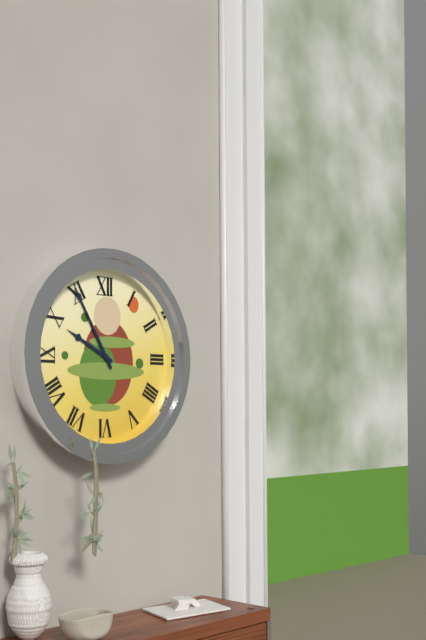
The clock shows h=9 m=55
